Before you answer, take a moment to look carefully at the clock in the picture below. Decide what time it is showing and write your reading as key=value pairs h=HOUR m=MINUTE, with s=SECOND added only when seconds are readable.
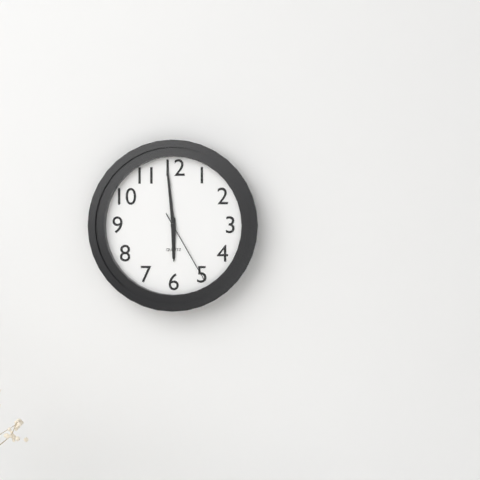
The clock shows h=5 m=59 s=25
